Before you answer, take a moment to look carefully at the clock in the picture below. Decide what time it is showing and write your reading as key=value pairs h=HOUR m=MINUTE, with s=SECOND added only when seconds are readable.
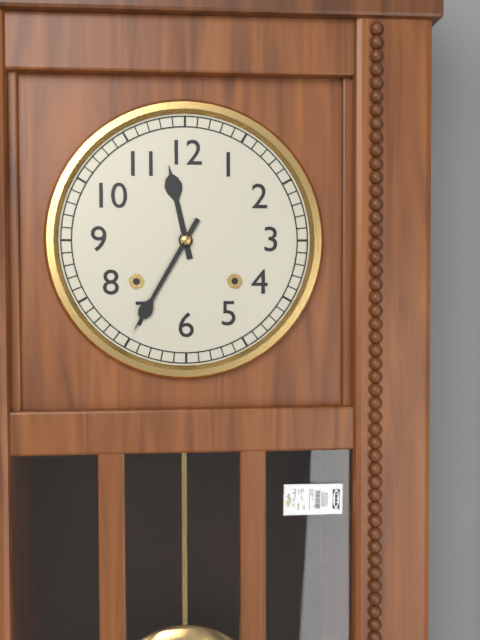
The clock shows h=11 m=35
